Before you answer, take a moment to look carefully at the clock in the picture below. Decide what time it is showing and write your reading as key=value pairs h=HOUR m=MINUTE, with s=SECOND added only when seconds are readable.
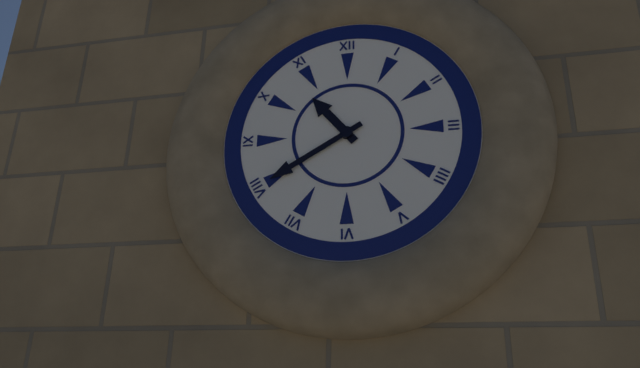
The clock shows h=10 m=40
